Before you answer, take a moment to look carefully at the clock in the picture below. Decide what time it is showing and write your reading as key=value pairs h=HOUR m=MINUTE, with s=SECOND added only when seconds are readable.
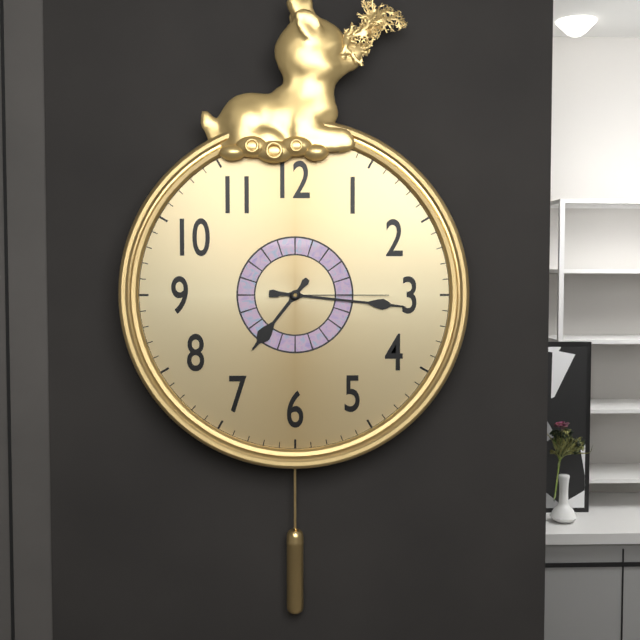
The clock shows h=7 m=16 s=15
